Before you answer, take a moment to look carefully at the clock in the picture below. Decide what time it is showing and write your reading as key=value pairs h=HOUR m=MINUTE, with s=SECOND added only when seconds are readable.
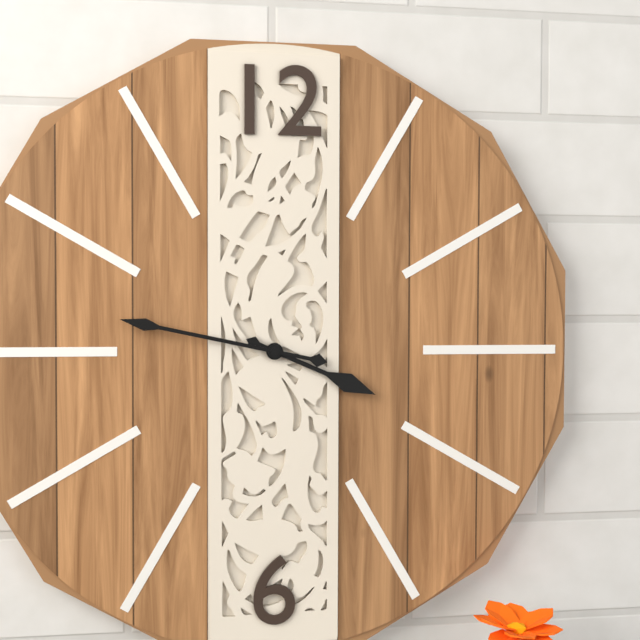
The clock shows h=3 m=47
